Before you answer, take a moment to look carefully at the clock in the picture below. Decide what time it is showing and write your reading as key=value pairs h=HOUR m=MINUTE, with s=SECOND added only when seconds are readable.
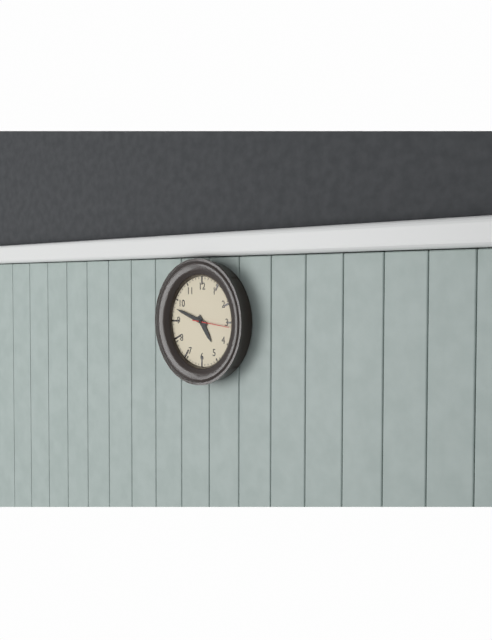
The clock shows h=4 m=48
